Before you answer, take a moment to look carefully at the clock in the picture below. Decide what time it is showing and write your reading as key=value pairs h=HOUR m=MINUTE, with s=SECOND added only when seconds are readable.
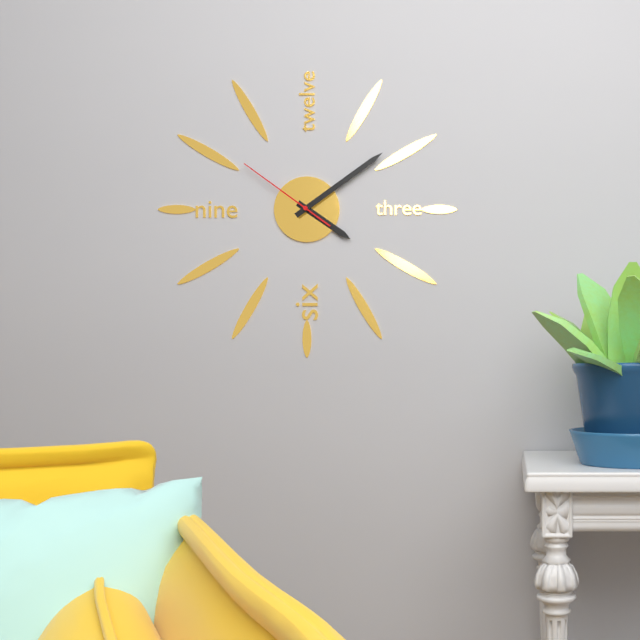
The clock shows h=4 m=9 s=51
